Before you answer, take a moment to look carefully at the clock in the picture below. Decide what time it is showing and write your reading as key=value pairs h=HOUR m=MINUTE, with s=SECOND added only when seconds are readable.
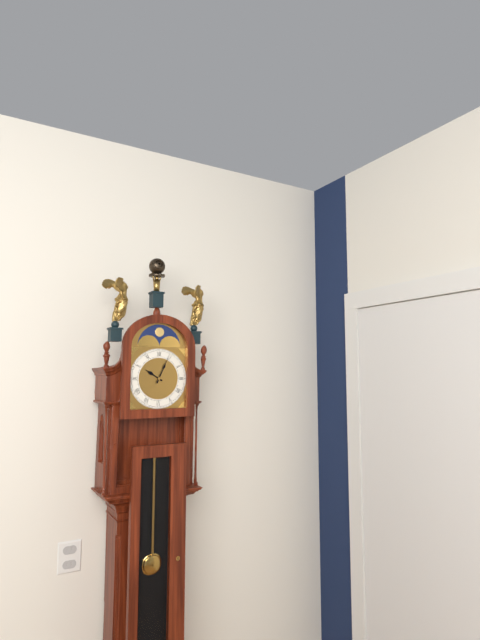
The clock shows h=10 m=4
